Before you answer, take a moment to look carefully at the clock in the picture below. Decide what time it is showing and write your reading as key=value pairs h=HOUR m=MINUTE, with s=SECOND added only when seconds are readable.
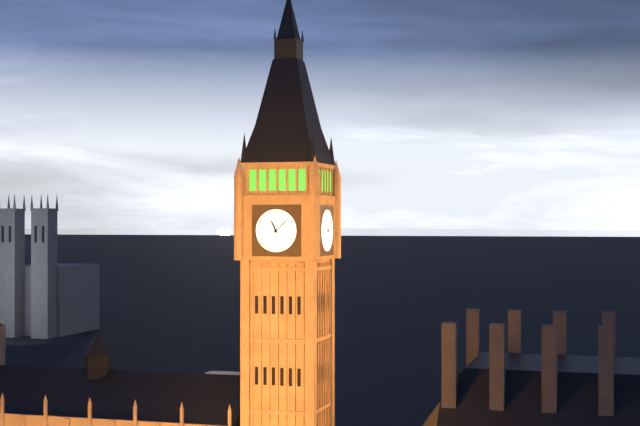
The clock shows h=11 m=8
